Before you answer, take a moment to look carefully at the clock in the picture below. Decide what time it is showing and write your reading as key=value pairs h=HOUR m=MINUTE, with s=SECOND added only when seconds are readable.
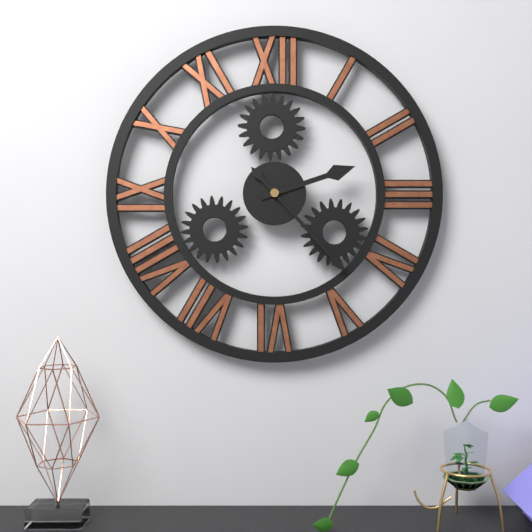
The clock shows h=2 m=23
